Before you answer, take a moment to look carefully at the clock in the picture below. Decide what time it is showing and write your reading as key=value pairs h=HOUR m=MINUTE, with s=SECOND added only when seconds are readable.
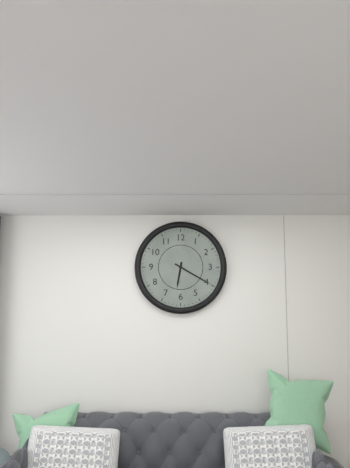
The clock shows h=6 m=20
